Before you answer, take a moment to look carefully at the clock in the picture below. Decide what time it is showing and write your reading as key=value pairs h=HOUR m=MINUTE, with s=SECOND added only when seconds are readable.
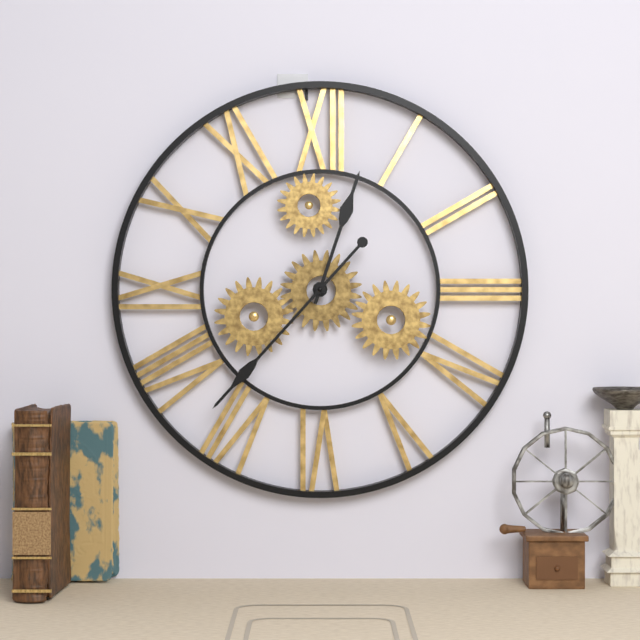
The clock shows h=12 m=37
